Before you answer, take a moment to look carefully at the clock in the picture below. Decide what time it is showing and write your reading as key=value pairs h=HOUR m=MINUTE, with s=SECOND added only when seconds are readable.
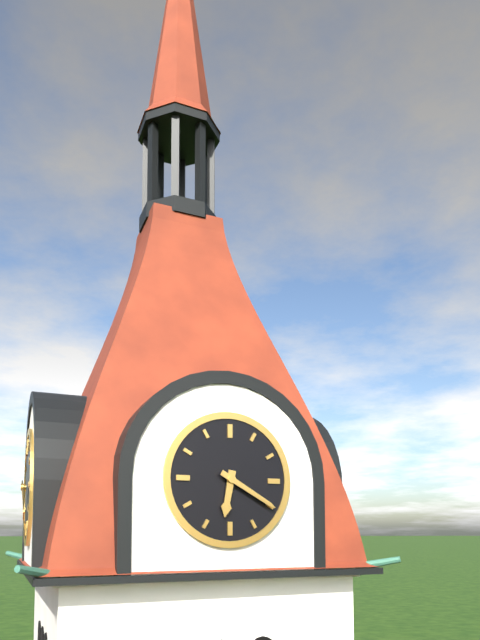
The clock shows h=6 m=20
